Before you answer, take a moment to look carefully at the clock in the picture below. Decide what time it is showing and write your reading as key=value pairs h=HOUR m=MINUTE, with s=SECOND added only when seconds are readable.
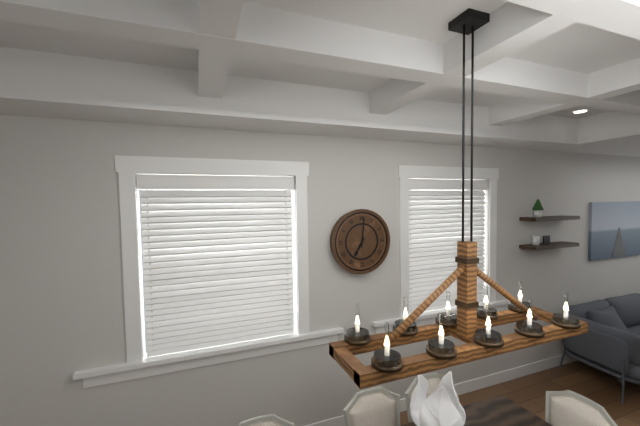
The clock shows h=7 m=1
